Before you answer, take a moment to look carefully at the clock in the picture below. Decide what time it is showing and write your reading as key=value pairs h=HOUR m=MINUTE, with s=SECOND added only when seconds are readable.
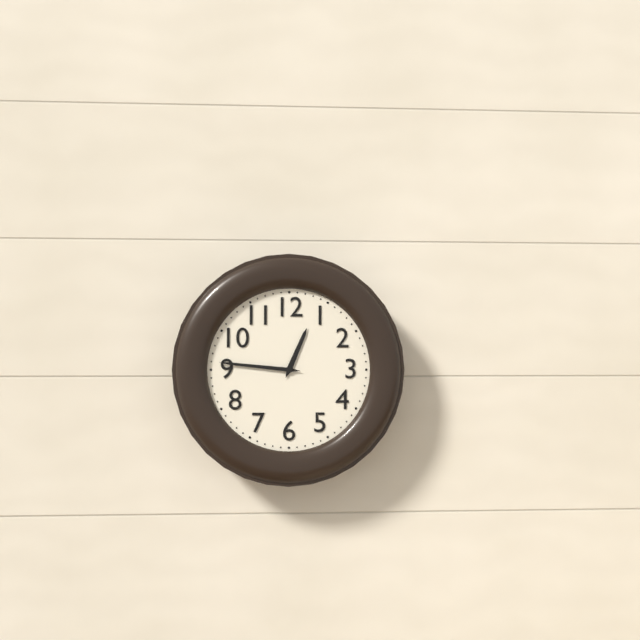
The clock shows h=12 m=46
